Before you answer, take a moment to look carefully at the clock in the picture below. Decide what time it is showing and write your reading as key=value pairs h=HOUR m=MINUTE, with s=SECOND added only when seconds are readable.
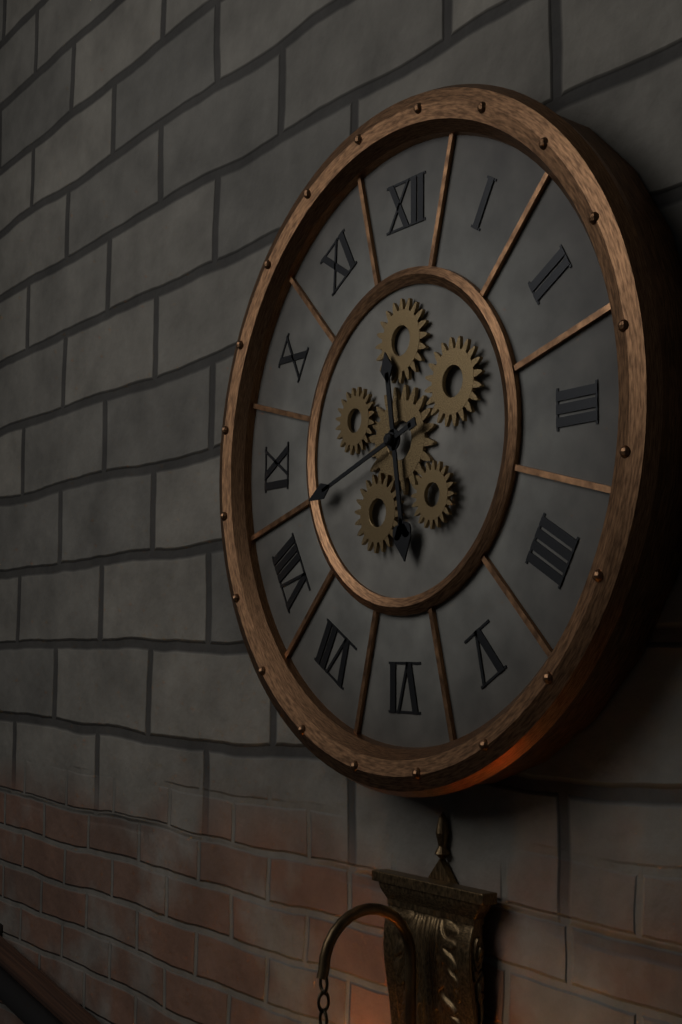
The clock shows h=5 m=42
